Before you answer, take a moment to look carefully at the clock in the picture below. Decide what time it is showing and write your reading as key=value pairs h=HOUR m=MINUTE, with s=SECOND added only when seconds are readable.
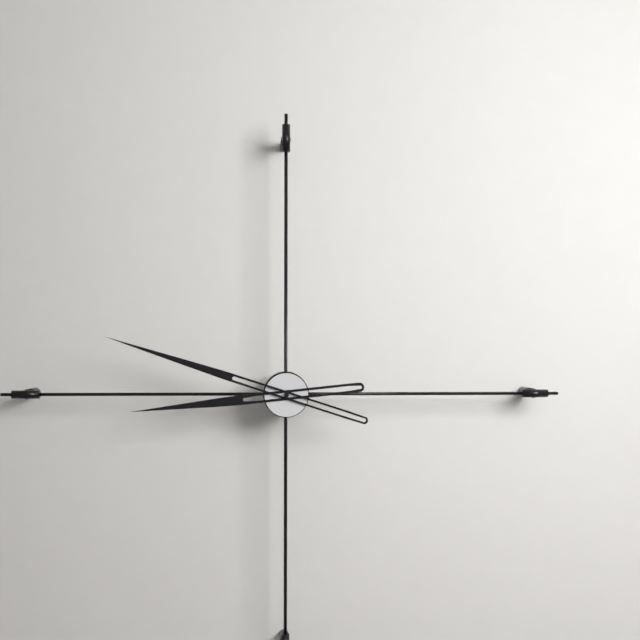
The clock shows h=8 m=48
